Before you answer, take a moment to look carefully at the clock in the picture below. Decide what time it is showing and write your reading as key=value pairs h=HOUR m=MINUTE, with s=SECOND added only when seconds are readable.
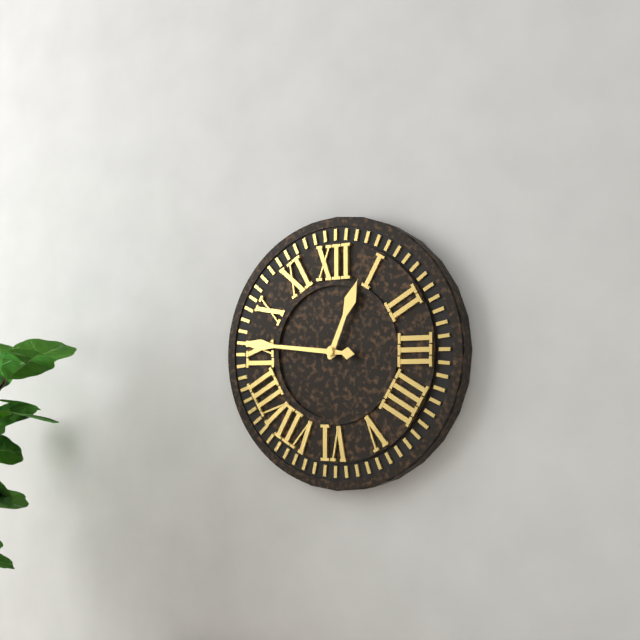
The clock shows h=12 m=46
